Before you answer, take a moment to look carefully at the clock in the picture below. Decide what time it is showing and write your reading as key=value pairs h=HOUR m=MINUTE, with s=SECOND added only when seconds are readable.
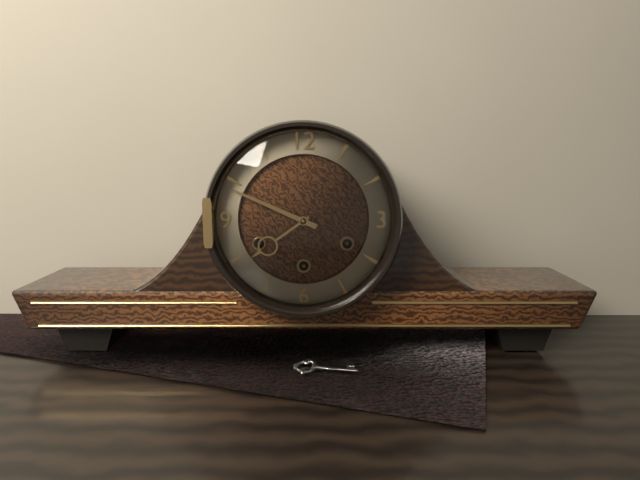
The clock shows h=7 m=49
